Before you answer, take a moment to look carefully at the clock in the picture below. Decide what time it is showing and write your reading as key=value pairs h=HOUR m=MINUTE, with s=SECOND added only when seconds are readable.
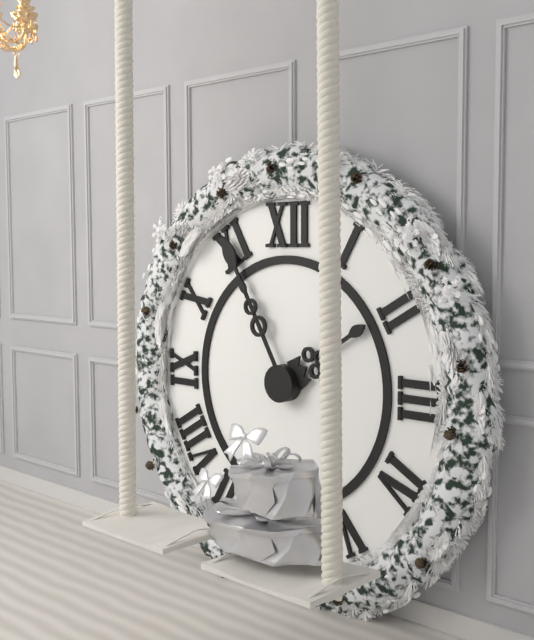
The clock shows h=1 m=55
